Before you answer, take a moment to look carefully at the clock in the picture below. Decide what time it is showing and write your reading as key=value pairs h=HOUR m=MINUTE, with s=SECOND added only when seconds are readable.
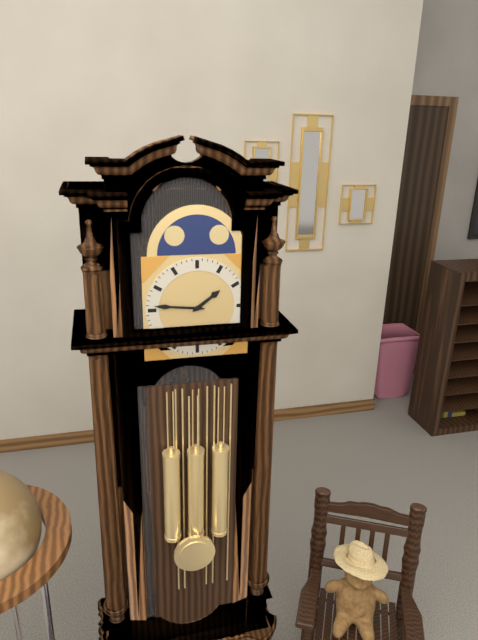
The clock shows h=1 m=46
